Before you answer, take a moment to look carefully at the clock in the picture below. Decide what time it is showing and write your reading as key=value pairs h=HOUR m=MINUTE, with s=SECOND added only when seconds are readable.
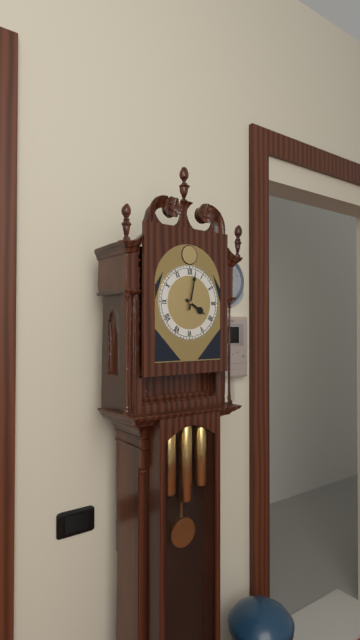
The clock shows h=4 m=2
